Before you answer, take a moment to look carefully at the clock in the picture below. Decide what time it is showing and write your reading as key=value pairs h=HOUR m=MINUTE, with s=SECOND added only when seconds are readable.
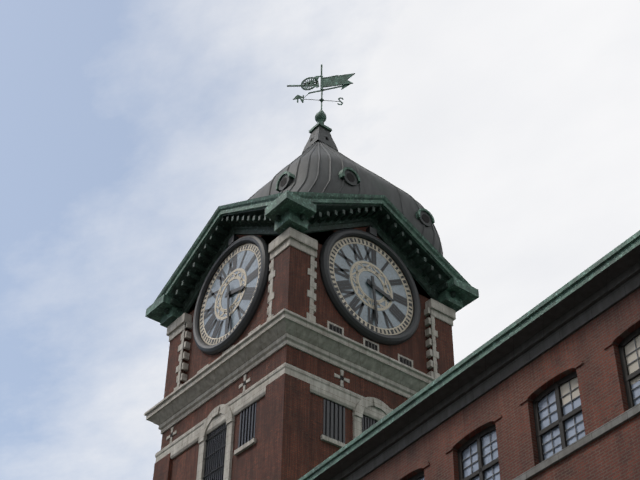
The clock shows h=3 m=29
